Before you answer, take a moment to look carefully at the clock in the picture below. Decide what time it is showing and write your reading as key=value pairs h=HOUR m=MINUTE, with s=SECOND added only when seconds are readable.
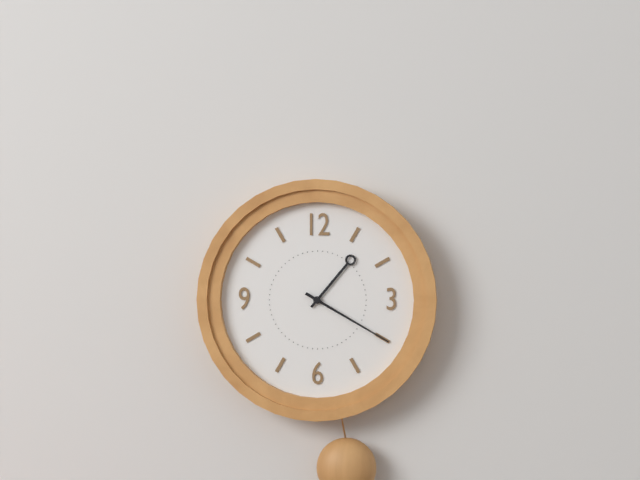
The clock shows h=1 m=20
